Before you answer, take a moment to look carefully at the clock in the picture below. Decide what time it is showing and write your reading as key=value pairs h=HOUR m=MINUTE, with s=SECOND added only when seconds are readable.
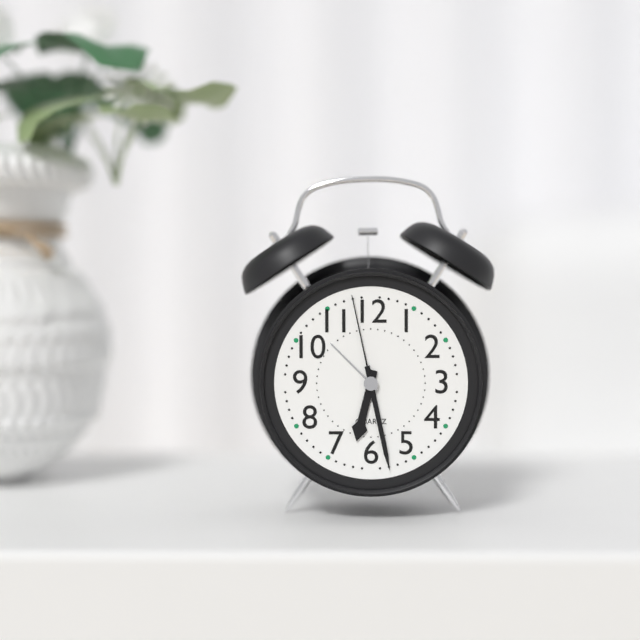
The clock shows h=6 m=28 s=58
